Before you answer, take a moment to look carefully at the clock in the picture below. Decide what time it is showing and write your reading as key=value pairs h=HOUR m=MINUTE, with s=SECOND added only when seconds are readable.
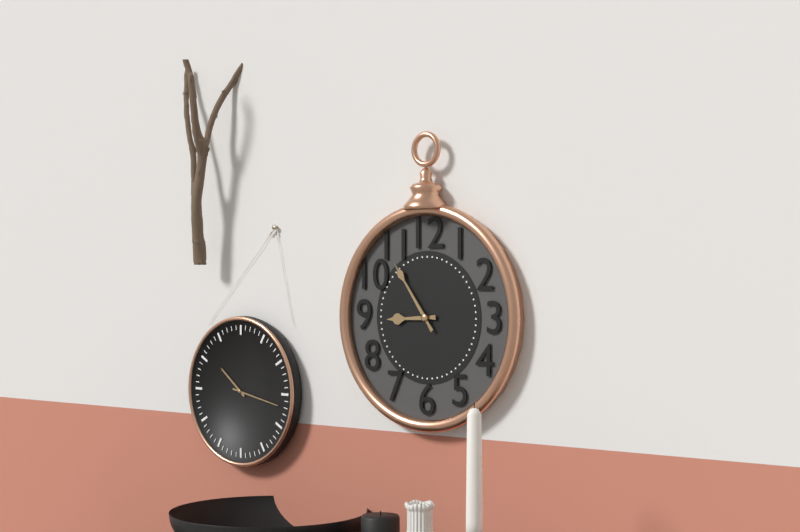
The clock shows h=8 m=54
